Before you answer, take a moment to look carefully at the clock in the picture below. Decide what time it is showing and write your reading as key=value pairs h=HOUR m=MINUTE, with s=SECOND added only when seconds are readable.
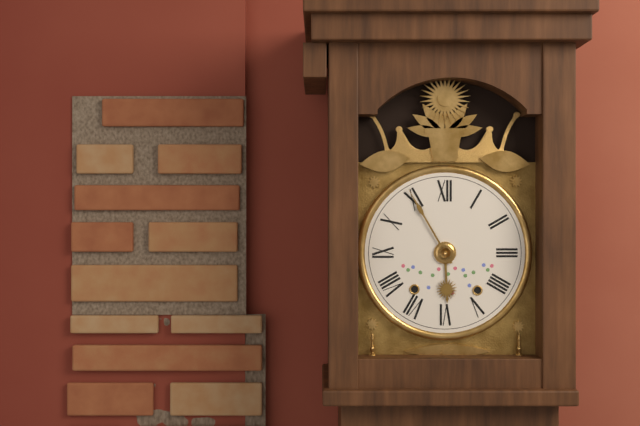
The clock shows h=5 m=55
